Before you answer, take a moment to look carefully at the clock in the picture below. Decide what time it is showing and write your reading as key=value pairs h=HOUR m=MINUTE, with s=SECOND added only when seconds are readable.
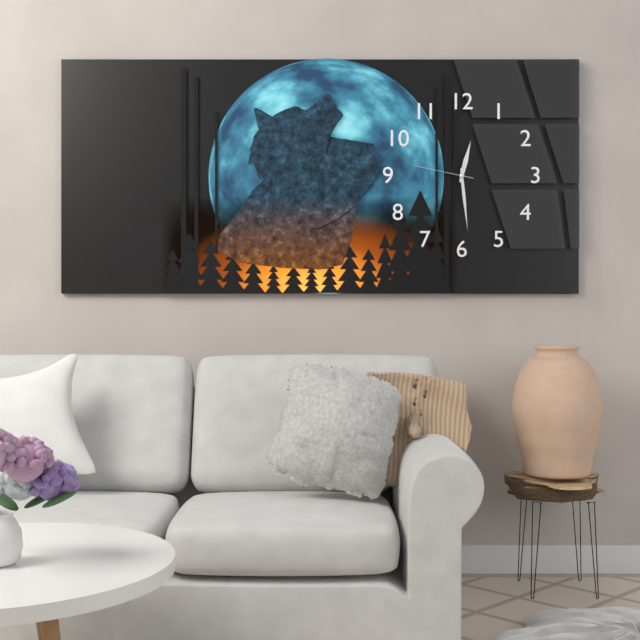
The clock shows h=12 m=29 s=47
